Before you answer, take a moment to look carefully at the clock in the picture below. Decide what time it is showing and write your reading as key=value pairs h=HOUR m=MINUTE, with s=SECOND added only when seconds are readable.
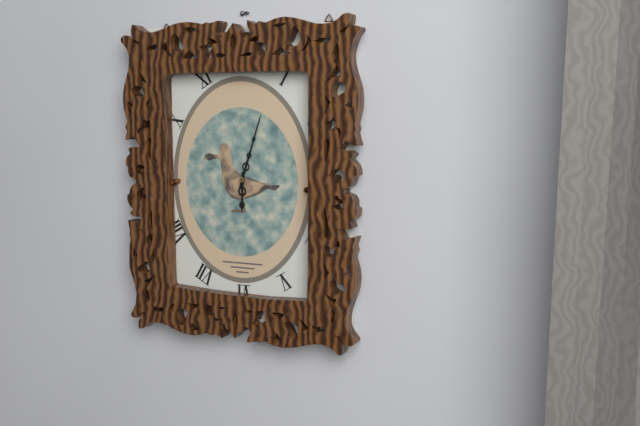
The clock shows h=6 m=3
